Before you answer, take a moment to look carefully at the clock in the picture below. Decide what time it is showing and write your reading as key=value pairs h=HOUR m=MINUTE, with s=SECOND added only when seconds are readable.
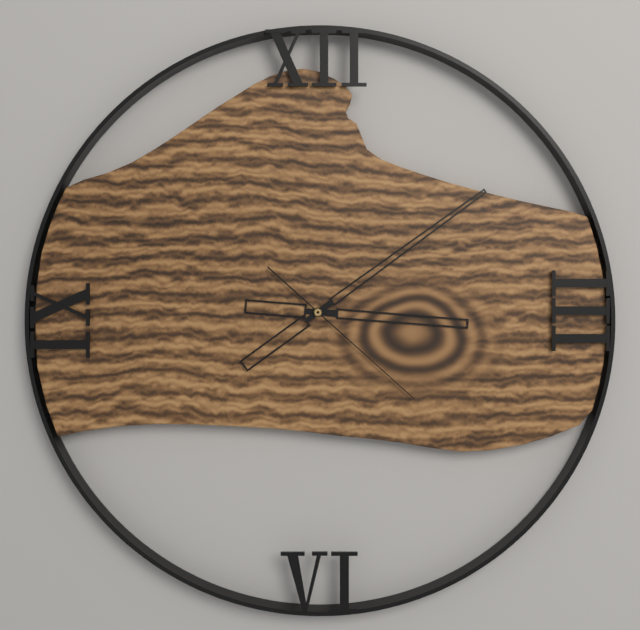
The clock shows h=3 m=9 s=22
